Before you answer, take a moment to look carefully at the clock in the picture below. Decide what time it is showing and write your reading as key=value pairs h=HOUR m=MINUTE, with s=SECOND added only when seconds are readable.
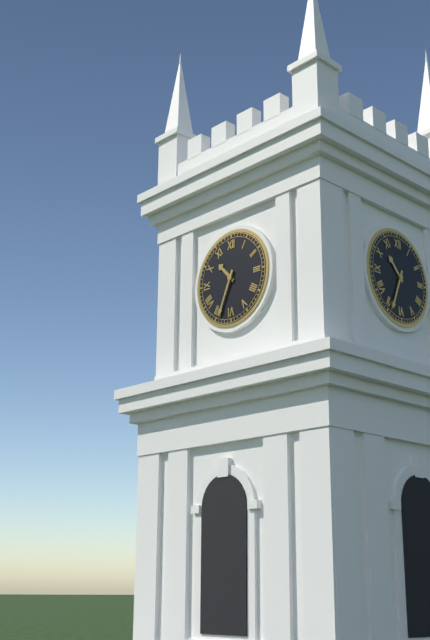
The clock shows h=10 m=34
